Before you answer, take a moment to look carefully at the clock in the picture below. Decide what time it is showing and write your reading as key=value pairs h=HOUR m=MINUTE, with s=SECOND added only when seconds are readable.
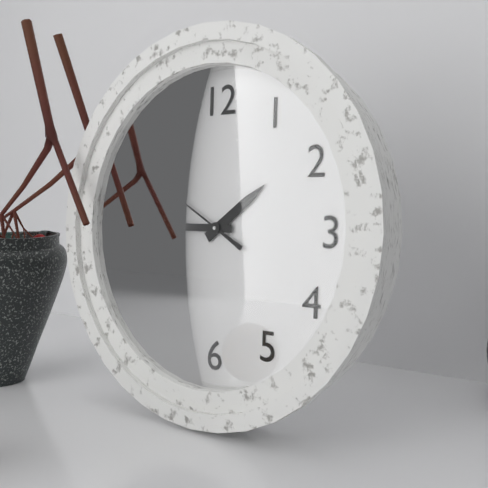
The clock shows h=1 m=45 s=50
